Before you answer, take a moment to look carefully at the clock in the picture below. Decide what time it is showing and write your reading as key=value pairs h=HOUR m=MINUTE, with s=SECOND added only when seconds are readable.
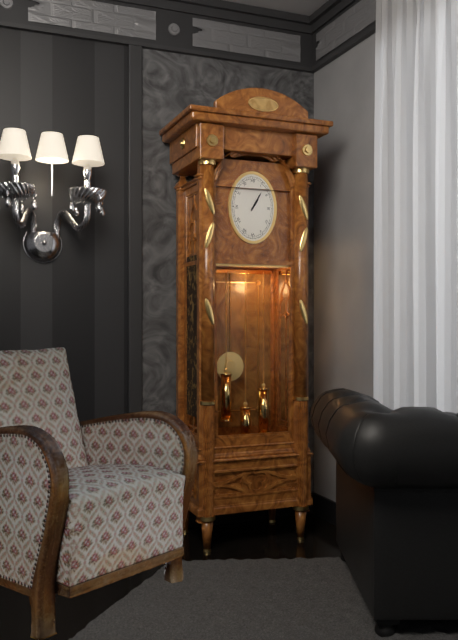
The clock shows h=1 m=5
